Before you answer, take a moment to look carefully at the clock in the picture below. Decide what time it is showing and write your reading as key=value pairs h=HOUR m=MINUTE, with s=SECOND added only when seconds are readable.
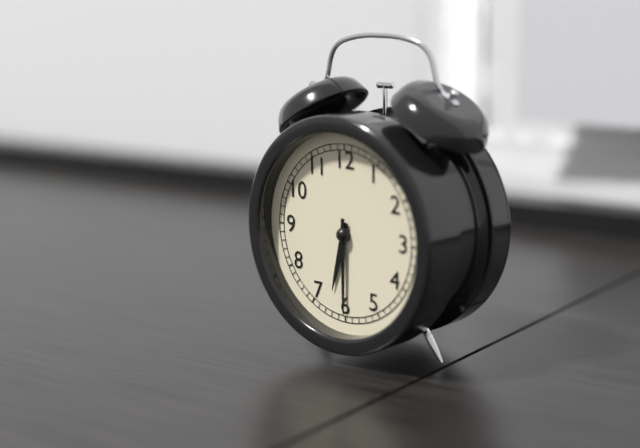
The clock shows h=6 m=30
